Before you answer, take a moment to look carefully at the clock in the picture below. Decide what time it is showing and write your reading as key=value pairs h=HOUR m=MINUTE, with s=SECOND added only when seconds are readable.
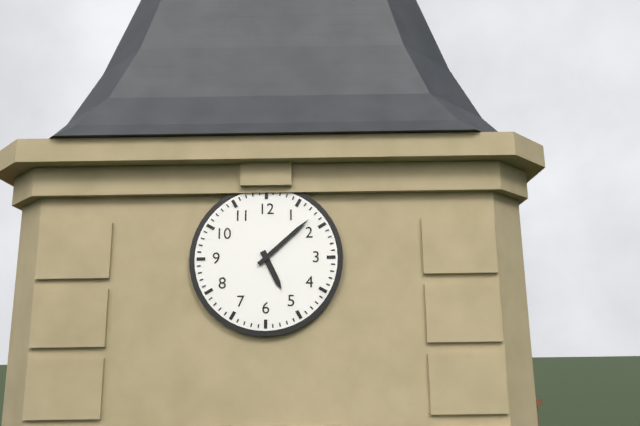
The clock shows h=5 m=8
